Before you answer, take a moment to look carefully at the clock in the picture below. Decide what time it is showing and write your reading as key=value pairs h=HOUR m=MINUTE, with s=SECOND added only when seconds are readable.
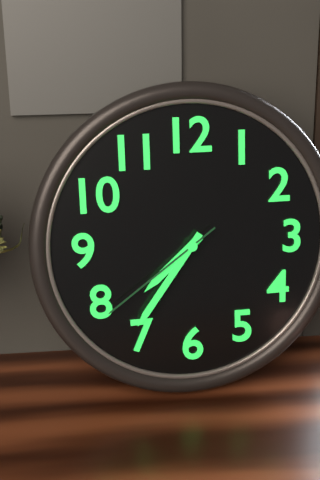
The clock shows h=7 m=36 s=39
